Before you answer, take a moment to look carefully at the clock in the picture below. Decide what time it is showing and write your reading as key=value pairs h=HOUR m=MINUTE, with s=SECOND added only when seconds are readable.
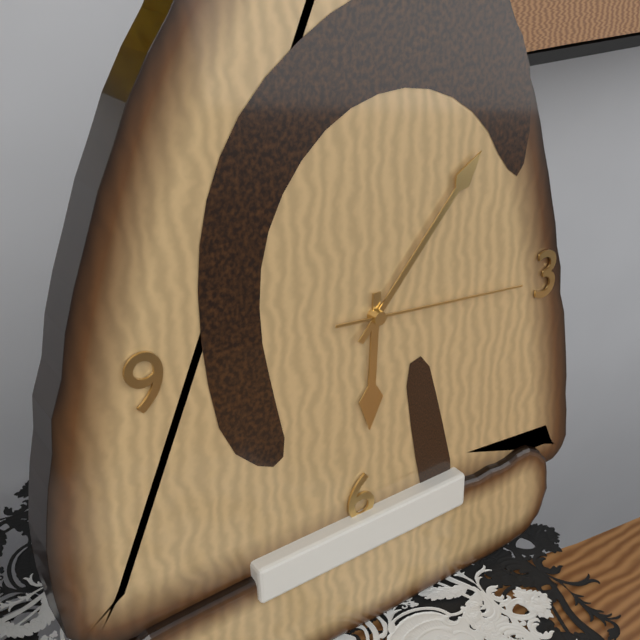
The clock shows h=6 m=7 s=16
